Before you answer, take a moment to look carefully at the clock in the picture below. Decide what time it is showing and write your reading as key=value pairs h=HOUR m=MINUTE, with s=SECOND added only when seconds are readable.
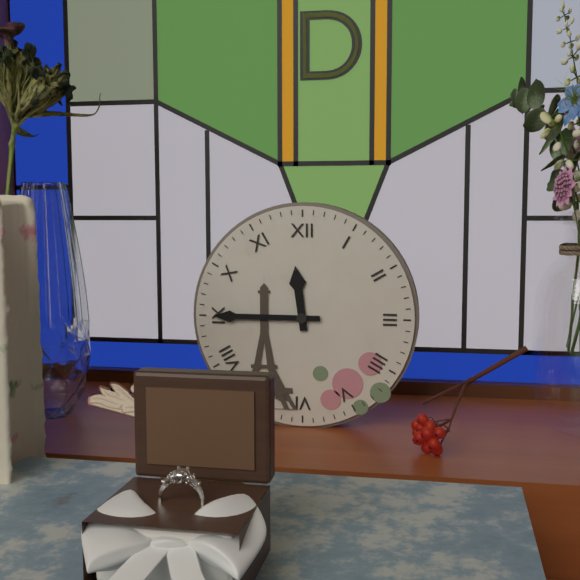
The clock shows h=11 m=45
